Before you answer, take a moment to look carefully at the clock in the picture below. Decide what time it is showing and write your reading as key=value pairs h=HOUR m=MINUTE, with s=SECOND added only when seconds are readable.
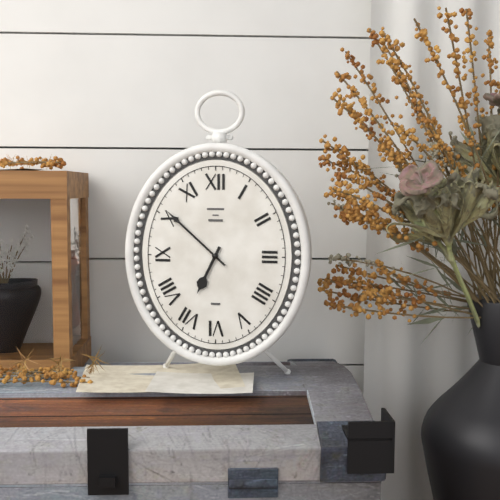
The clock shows h=6 m=52
